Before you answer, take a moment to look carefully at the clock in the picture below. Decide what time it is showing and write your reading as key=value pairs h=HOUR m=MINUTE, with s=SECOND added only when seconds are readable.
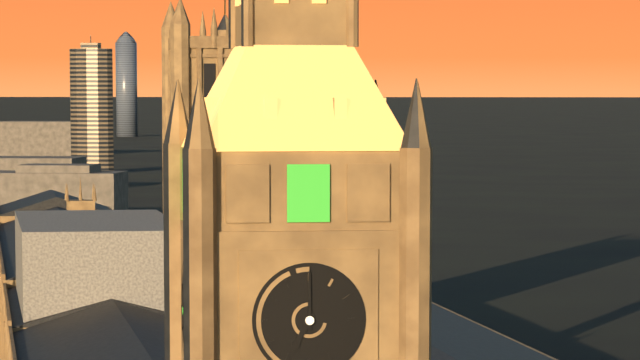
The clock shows h=7 m=0
